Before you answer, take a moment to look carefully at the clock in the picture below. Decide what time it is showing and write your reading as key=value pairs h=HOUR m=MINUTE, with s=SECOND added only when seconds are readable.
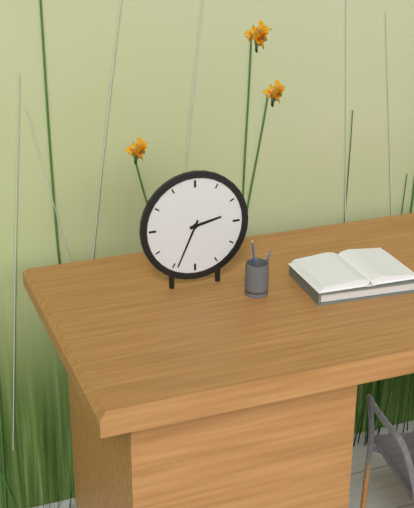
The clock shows h=2 m=34
